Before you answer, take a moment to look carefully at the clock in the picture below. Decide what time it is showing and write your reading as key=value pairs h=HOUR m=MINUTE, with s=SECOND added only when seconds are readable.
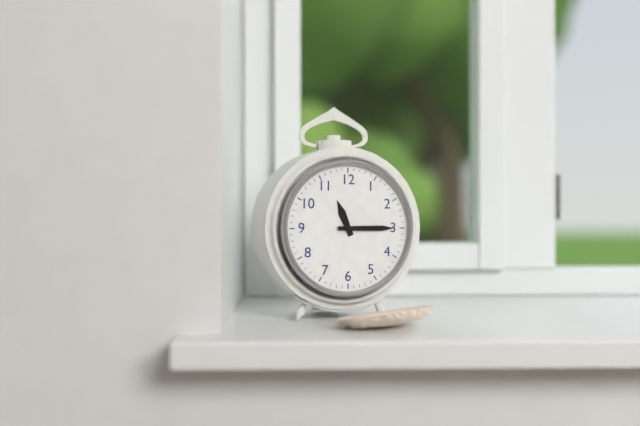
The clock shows h=11 m=15
